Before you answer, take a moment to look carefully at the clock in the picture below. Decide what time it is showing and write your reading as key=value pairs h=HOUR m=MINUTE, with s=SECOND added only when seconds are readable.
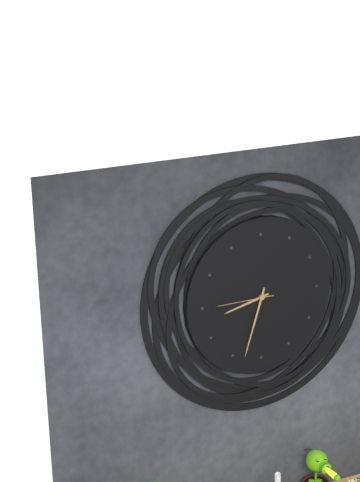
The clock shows h=8 m=33 s=45
